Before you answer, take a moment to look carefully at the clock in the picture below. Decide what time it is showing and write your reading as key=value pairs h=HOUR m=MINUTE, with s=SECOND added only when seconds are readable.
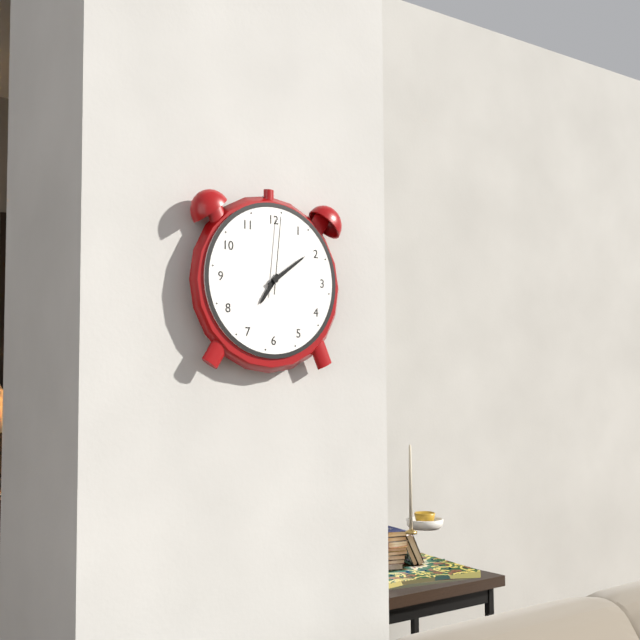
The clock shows h=7 m=9 s=1
